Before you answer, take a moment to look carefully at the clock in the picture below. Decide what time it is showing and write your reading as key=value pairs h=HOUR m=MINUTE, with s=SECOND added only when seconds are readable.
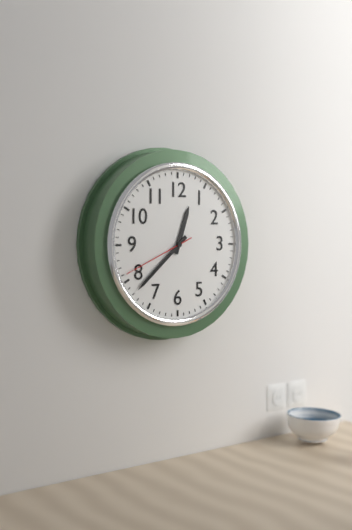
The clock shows h=12 m=38 s=41
